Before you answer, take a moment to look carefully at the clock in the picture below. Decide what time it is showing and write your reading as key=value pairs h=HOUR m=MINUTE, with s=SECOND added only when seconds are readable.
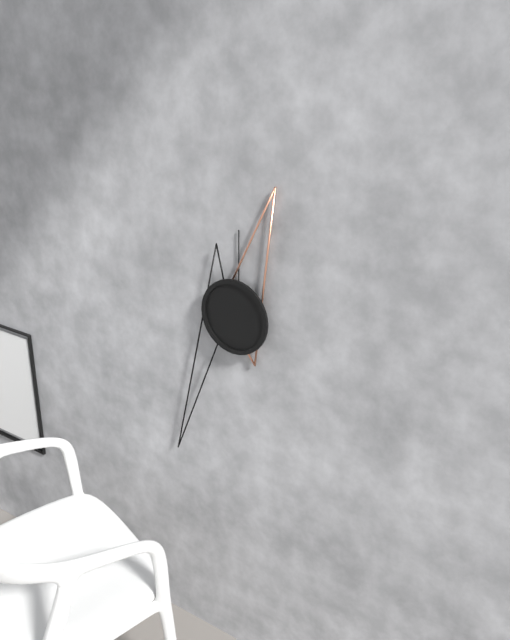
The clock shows h=12 m=34 s=0
